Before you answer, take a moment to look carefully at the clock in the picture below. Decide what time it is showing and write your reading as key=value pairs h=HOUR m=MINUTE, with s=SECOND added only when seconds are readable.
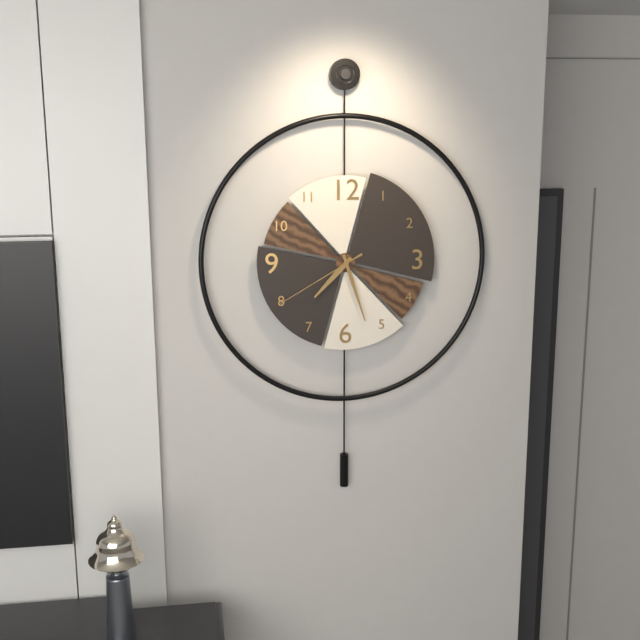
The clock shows h=7 m=27 s=40
